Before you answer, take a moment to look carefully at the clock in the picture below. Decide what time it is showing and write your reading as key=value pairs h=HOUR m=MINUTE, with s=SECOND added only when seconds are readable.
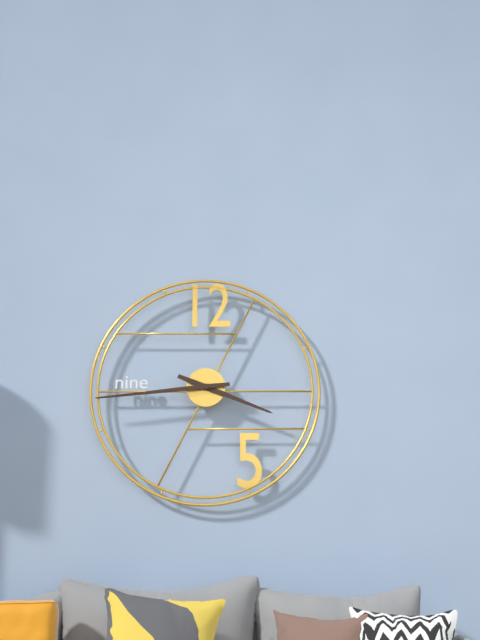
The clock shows h=3 m=44
